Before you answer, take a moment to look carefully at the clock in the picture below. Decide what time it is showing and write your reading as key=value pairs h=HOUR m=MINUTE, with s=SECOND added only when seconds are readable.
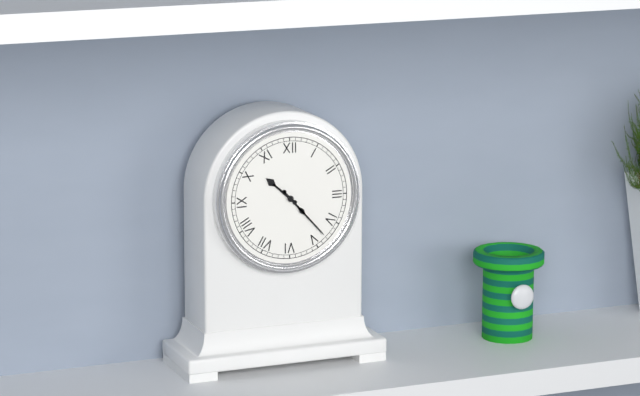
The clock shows h=10 m=23
